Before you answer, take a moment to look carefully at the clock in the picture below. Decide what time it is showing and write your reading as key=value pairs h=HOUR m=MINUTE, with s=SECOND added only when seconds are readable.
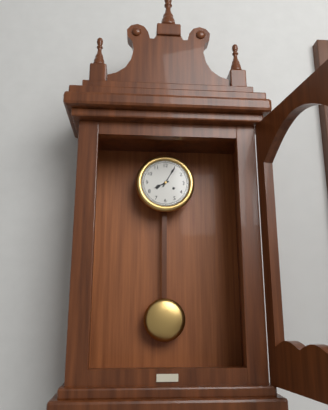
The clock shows h=8 m=5
